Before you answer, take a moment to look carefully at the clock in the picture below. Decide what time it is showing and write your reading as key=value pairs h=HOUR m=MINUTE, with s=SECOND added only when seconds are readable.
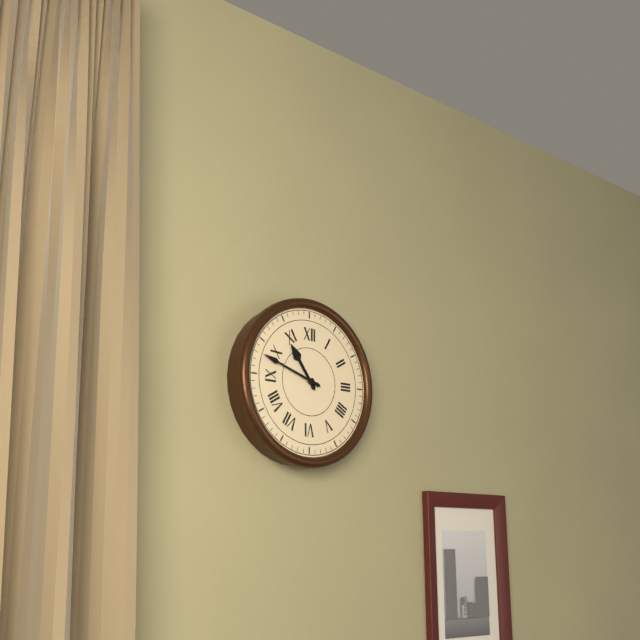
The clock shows h=10 m=48
